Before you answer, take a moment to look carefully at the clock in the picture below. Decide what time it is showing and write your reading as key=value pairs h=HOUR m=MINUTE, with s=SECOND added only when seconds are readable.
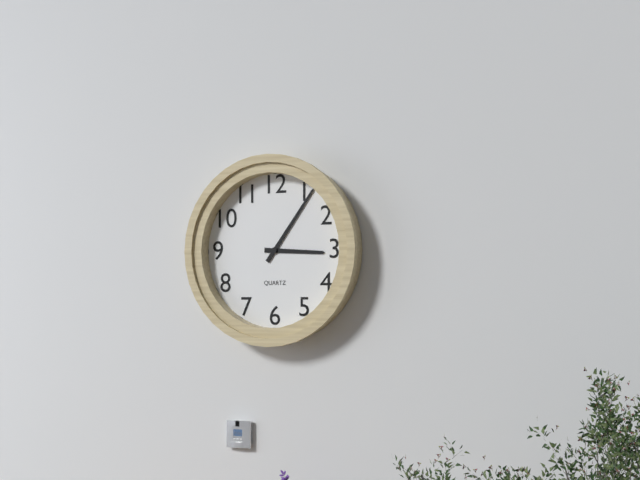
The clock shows h=3 m=6
